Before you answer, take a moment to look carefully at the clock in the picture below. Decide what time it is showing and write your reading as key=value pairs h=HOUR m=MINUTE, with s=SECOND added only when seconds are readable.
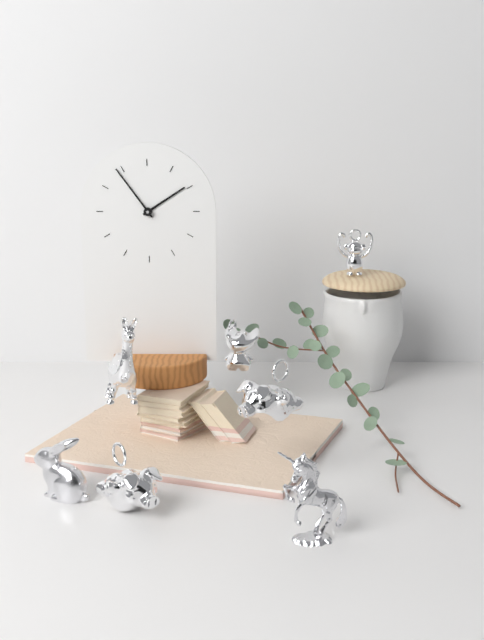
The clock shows h=1 m=54
